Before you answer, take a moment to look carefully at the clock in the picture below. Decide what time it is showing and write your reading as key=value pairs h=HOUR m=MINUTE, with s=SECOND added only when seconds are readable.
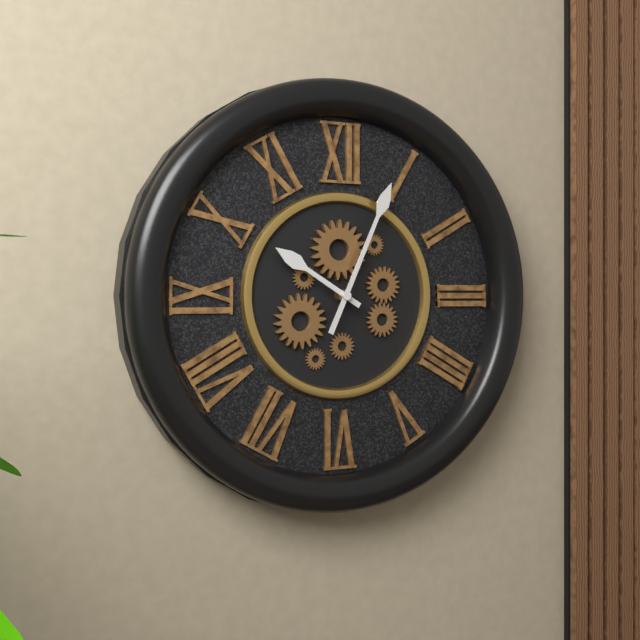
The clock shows h=10 m=4
